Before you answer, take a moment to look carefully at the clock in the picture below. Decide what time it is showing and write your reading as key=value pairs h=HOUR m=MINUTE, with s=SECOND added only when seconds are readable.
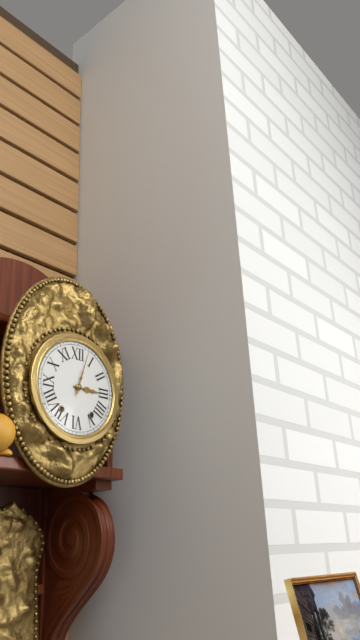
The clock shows h=3 m=3
